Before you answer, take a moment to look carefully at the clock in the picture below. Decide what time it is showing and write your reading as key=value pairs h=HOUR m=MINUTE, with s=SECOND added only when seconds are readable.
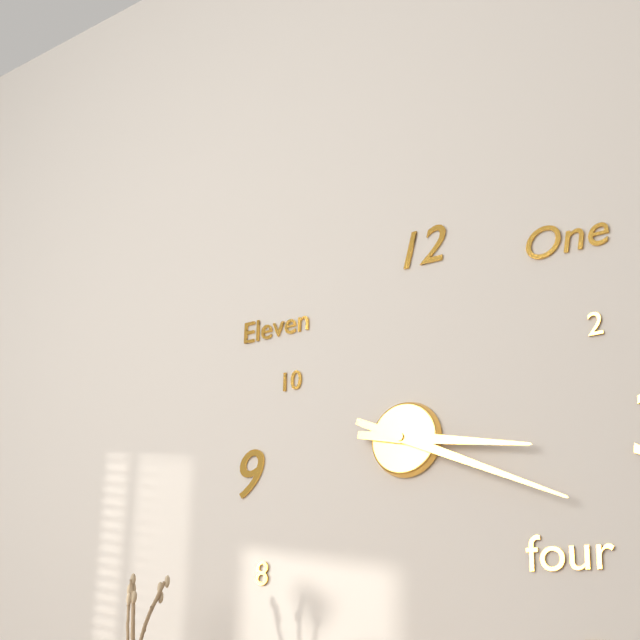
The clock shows h=3 m=19
